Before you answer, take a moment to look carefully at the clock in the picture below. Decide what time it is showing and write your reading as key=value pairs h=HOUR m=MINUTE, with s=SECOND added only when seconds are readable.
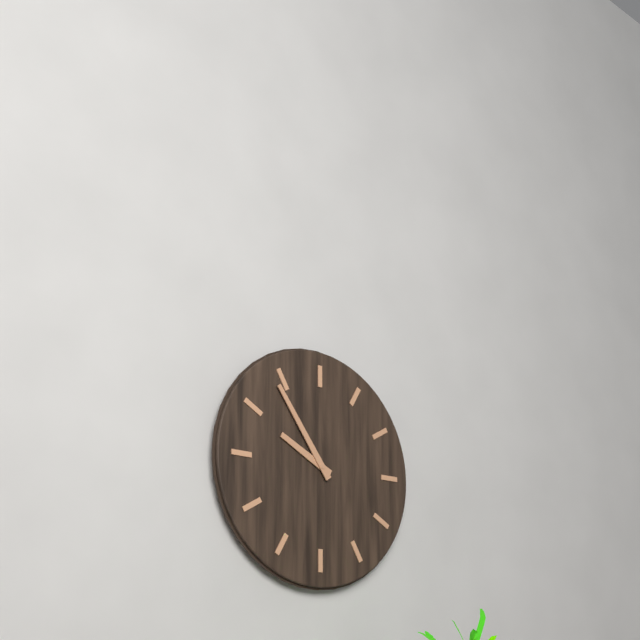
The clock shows h=9 m=54
